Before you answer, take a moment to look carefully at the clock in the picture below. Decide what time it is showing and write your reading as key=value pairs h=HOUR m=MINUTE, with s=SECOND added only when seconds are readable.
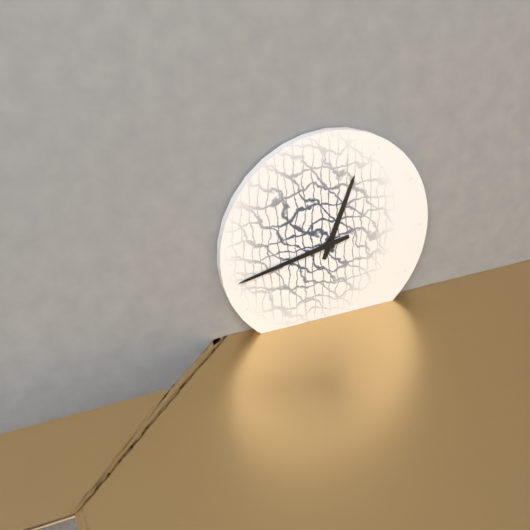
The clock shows h=12 m=43
